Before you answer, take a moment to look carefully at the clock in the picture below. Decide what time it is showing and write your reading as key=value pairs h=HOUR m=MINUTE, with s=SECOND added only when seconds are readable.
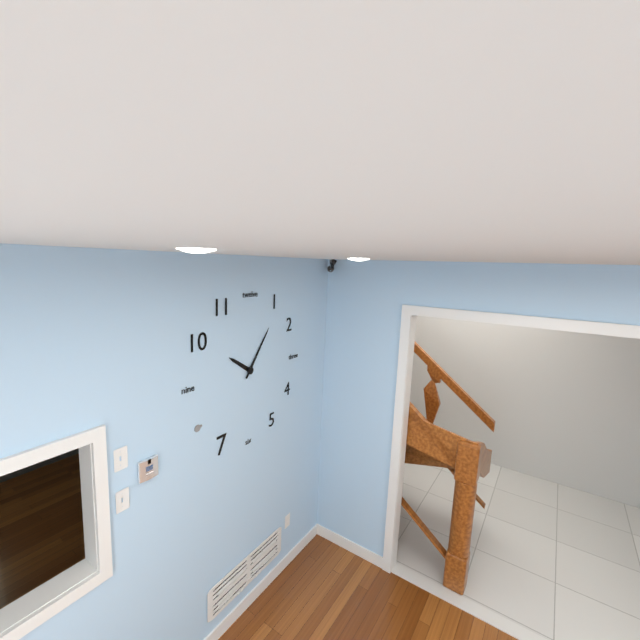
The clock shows h=10 m=6
